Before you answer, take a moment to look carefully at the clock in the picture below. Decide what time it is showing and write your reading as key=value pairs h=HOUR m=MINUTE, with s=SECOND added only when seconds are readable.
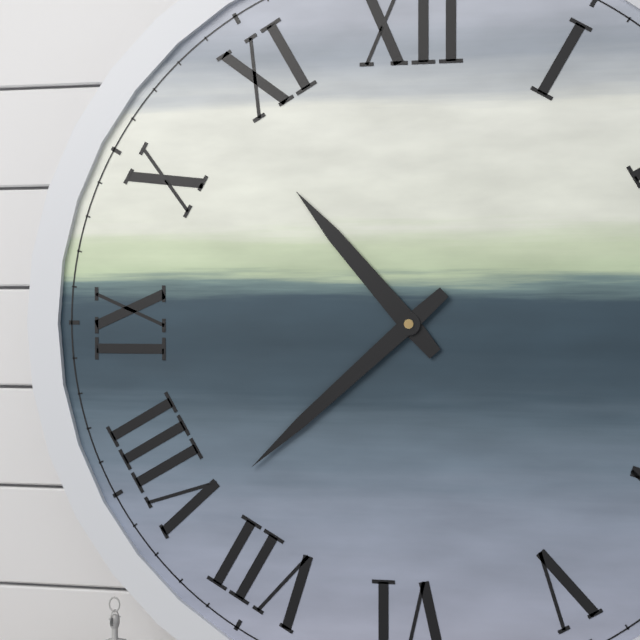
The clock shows h=10 m=38
